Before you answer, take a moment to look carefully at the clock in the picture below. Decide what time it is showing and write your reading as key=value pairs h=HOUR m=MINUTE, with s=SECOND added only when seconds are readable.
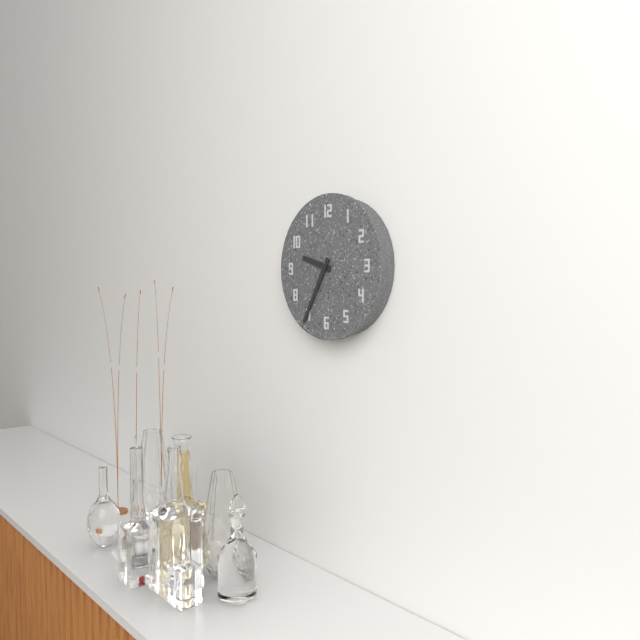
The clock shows h=9 m=35
